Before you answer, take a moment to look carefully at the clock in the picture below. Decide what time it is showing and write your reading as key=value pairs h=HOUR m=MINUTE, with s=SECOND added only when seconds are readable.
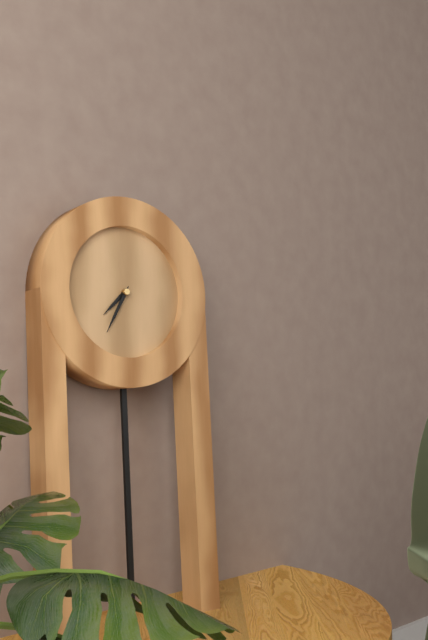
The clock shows h=7 m=35
